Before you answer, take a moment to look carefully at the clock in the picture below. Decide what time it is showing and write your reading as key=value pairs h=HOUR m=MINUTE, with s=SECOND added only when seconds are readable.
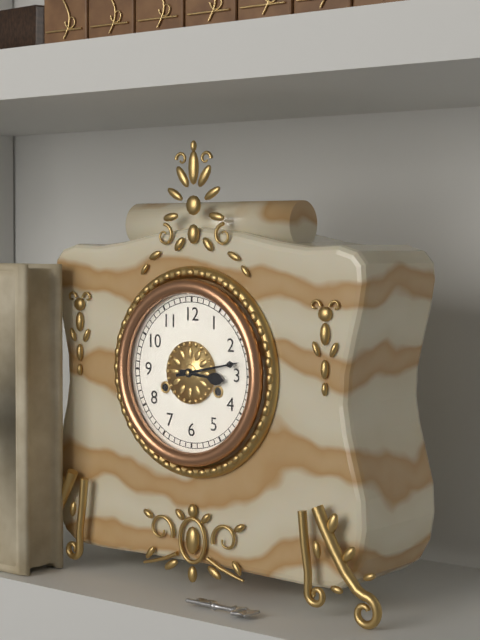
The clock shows h=3 m=13
